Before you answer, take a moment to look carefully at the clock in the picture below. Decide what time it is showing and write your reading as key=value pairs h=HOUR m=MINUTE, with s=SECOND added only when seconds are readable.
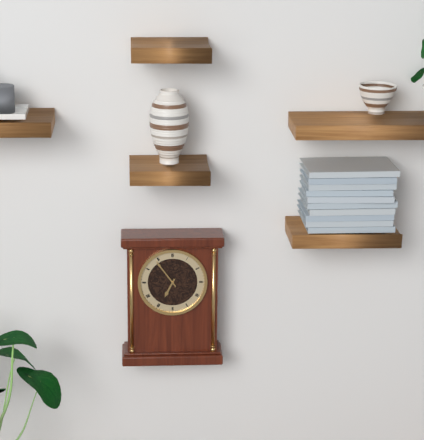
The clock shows h=6 m=54
